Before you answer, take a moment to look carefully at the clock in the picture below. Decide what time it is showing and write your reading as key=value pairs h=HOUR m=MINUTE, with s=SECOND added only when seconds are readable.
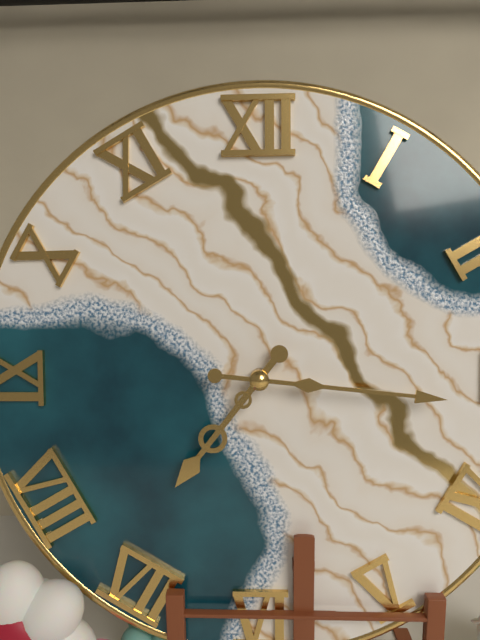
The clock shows h=7 m=16
